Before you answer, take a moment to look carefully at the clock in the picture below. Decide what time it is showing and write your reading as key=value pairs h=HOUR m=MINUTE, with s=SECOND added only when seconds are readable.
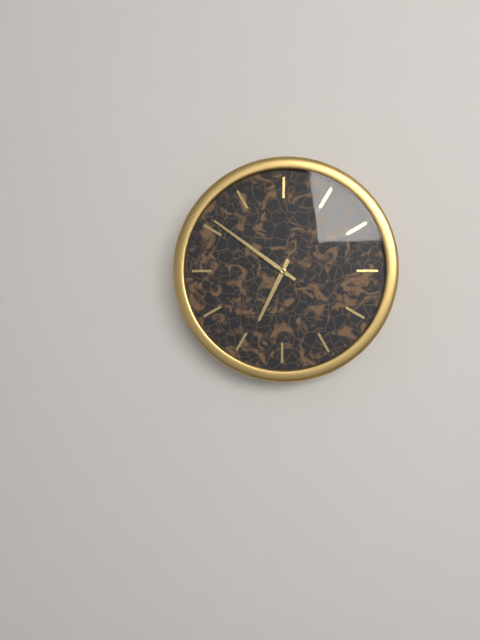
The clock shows h=6 m=51
